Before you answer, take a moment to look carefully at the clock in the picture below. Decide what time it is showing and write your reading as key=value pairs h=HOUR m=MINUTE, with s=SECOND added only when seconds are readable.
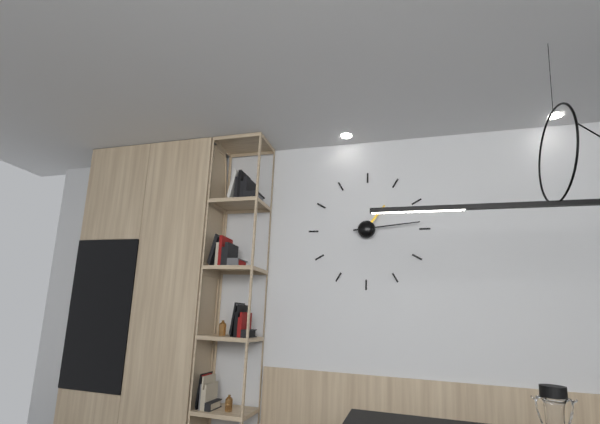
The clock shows h=1 m=14
